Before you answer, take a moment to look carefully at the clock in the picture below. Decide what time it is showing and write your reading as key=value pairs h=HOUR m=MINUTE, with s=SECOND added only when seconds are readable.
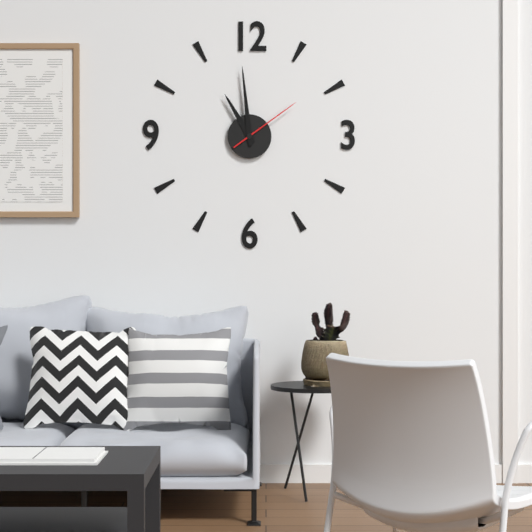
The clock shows h=10 m=59 s=9
